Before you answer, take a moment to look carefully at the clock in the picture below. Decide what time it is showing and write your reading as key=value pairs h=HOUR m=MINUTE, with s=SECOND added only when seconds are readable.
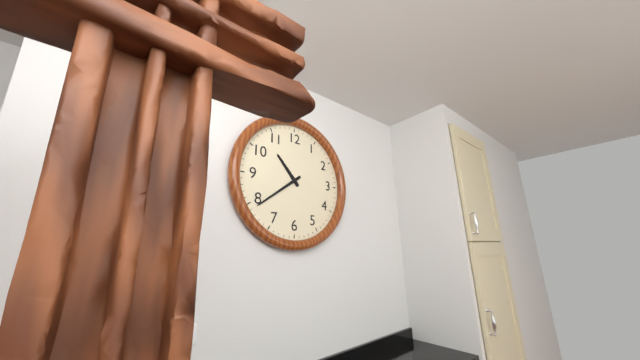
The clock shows h=10 m=39
